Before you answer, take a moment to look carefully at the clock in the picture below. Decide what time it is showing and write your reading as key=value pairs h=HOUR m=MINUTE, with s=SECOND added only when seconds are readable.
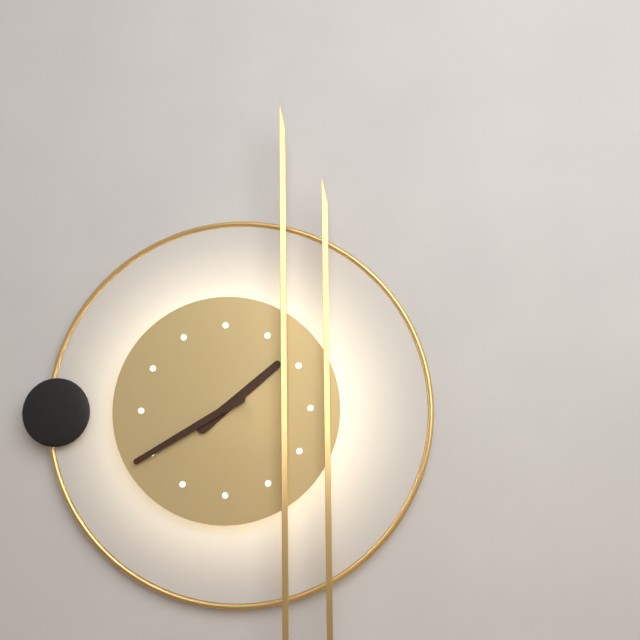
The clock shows h=1 m=40
